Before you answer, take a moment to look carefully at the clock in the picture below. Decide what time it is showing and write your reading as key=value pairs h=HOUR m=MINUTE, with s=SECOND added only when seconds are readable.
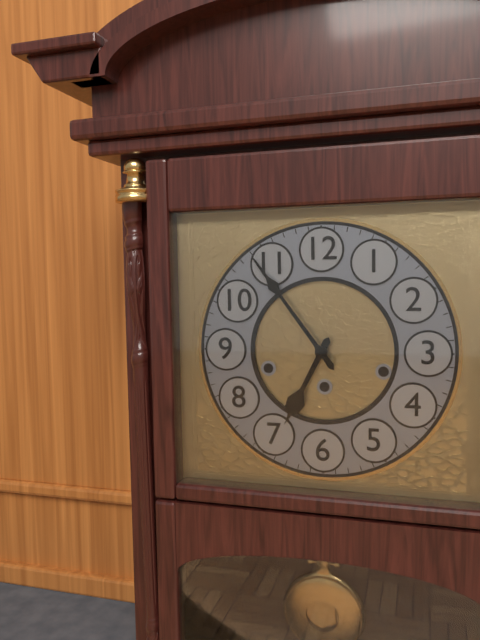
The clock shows h=6 m=54
